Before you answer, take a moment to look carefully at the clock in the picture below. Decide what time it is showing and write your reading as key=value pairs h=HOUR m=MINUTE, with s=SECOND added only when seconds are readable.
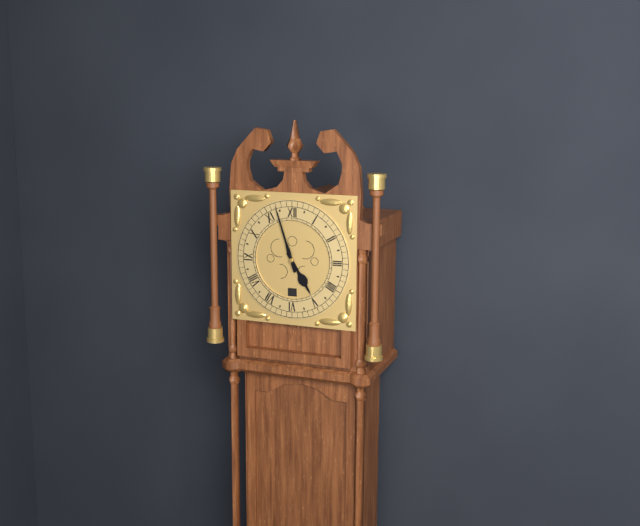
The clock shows h=4 m=57
